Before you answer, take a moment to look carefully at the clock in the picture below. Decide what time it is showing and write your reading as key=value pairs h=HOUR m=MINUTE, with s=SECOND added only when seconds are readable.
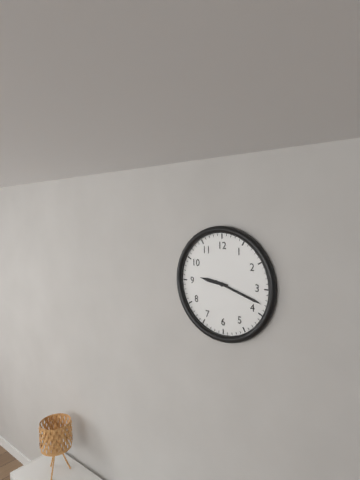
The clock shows h=9 m=18
